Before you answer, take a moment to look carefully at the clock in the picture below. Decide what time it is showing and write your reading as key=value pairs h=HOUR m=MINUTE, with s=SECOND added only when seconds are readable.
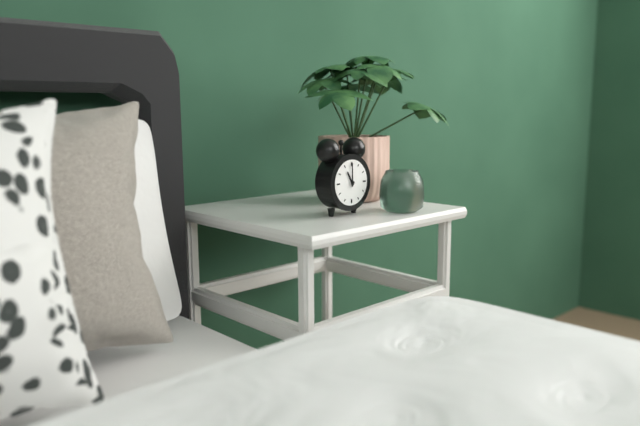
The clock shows h=11 m=0
